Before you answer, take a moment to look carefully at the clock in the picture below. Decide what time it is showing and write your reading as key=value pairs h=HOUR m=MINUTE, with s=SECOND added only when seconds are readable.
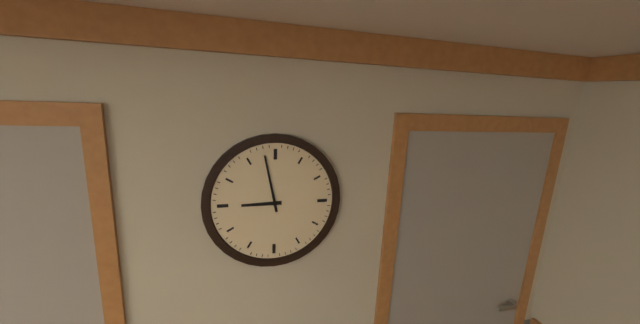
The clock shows h=8 m=58
